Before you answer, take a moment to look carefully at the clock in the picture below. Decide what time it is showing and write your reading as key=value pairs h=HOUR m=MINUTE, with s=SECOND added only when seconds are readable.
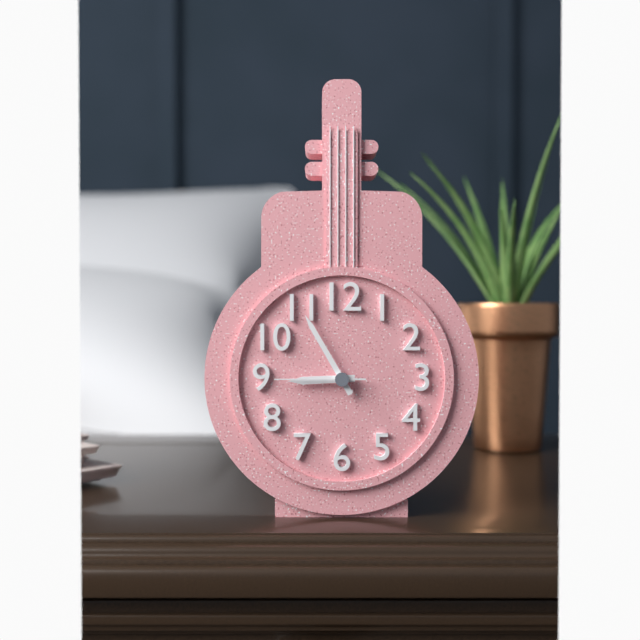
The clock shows h=8 m=55 s=45
